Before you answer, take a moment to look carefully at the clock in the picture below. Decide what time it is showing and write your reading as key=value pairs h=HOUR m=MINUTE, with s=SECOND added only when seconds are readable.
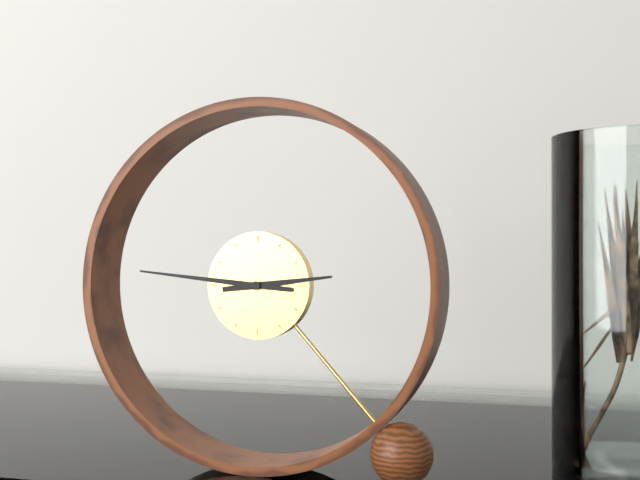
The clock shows h=2 m=46
